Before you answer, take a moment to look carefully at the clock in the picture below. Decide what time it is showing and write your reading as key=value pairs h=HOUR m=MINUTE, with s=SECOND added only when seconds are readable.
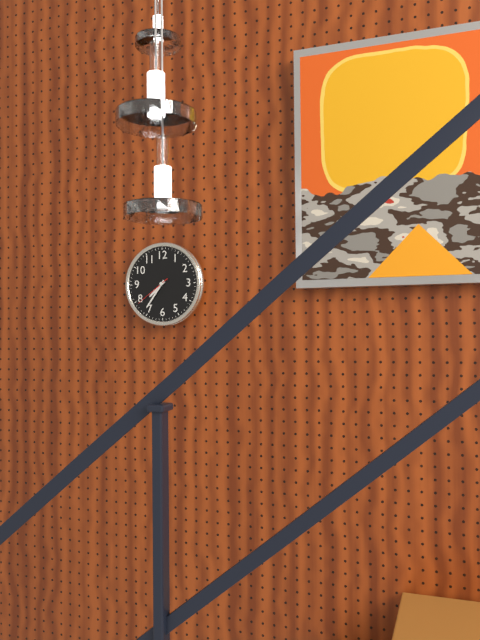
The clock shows h=7 m=36
